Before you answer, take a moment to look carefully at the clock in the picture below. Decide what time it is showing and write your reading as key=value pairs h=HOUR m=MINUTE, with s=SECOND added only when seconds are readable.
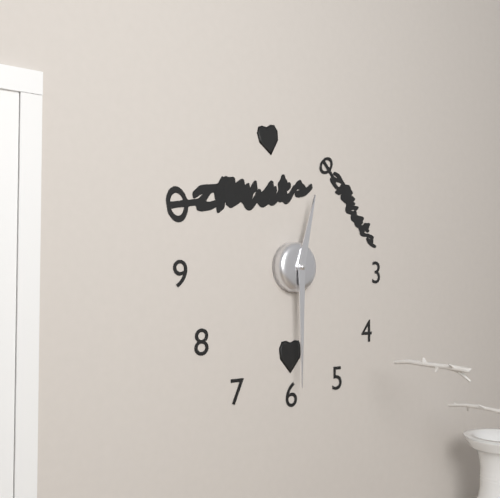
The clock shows h=12 m=30
